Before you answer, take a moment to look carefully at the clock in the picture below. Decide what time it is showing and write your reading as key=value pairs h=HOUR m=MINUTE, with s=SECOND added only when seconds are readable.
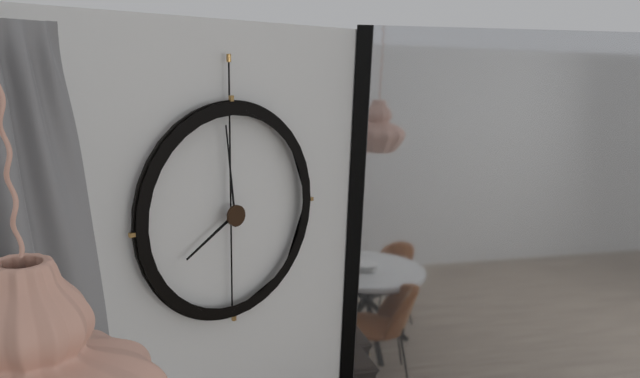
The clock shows h=7 m=59
